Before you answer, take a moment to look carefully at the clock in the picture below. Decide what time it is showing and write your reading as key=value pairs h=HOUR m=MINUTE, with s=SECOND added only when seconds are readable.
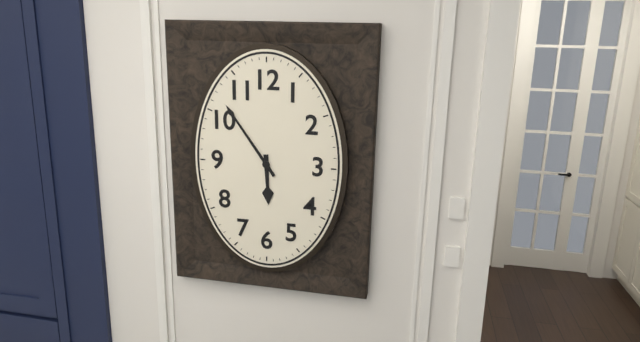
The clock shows h=5 m=54
